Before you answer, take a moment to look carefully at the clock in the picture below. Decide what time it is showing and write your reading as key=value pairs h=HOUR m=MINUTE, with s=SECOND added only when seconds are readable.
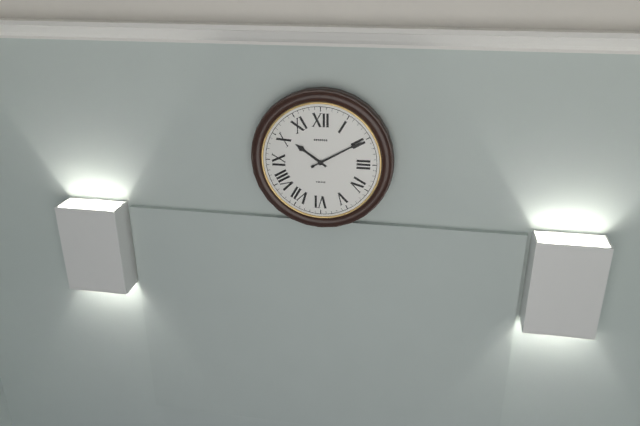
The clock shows h=10 m=10
